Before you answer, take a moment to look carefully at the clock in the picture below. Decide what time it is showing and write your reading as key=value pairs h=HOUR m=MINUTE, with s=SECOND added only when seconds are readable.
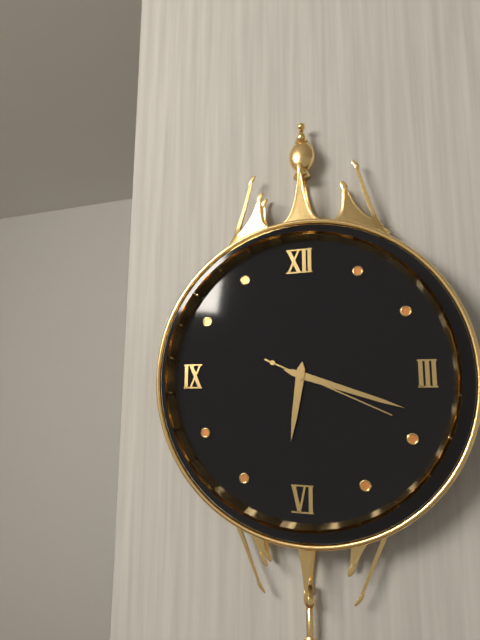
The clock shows h=6 m=18 s=19
